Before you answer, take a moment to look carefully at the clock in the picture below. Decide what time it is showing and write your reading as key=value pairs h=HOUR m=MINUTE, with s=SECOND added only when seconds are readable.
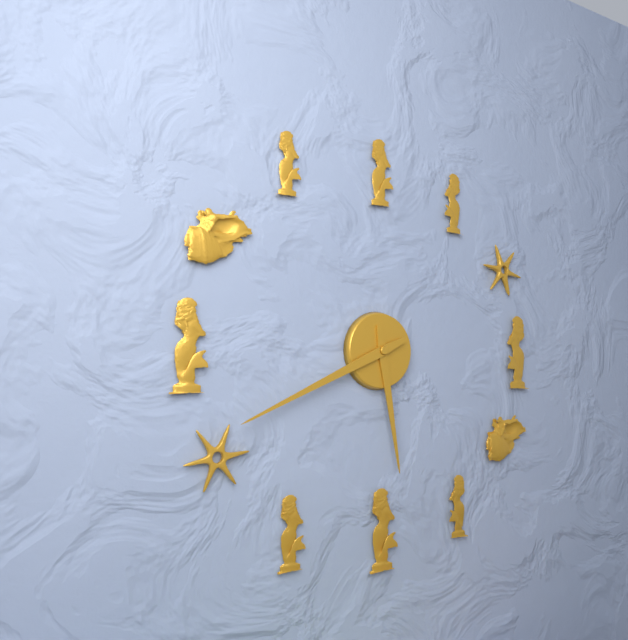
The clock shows h=5 m=41
